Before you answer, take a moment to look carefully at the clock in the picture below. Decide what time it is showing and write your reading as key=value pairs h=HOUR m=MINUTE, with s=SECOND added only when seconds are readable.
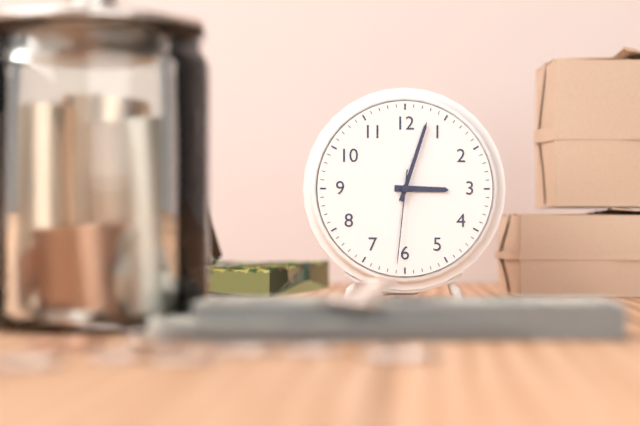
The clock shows h=3 m=3 s=31
